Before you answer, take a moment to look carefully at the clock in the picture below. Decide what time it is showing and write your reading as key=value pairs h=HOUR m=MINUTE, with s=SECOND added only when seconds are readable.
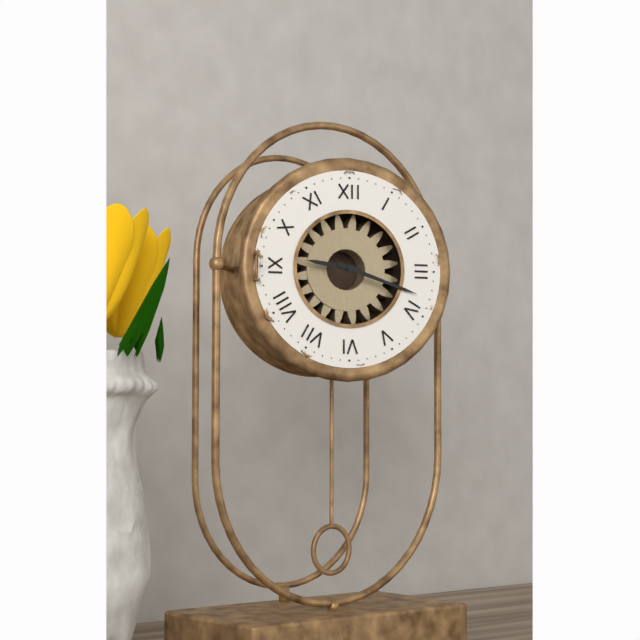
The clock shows h=9 m=18
